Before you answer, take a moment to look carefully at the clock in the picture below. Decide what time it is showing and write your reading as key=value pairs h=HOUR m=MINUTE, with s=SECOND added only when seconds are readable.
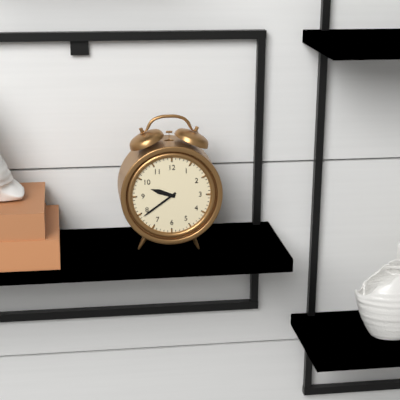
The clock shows h=9 m=39
